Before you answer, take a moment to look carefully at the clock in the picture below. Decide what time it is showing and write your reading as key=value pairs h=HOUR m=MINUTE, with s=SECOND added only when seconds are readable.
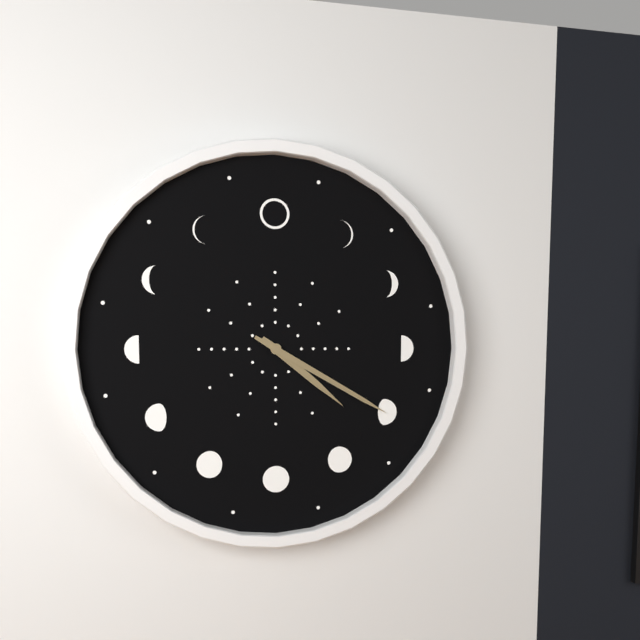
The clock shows h=4 m=20
